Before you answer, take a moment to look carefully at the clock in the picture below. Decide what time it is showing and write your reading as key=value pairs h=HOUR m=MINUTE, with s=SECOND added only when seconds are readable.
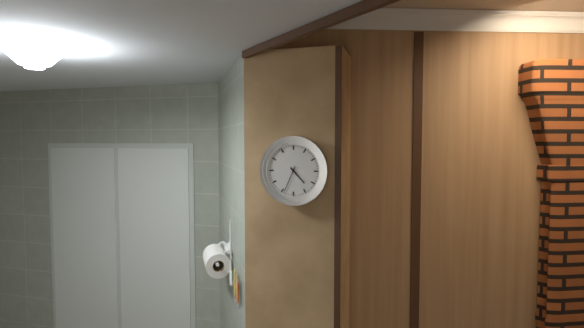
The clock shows h=4 m=34
